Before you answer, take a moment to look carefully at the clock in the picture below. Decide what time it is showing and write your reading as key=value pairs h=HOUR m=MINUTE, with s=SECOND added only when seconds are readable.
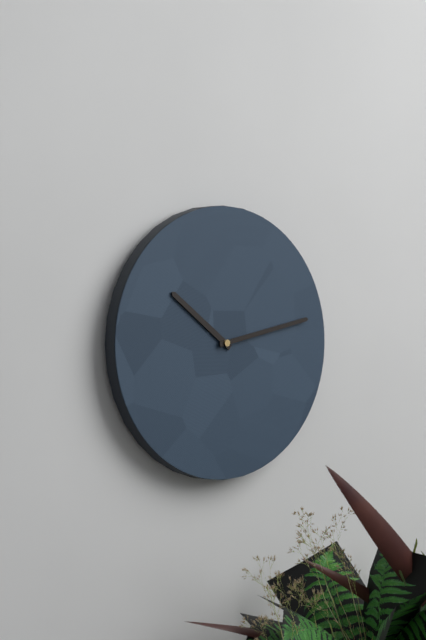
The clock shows h=10 m=13
